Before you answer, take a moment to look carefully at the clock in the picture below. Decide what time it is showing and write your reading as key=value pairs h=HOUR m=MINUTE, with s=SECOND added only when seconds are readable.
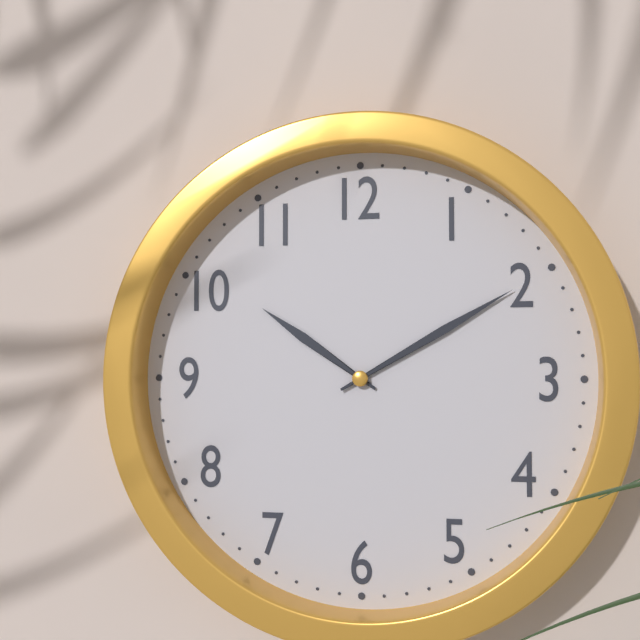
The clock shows h=10 m=10
